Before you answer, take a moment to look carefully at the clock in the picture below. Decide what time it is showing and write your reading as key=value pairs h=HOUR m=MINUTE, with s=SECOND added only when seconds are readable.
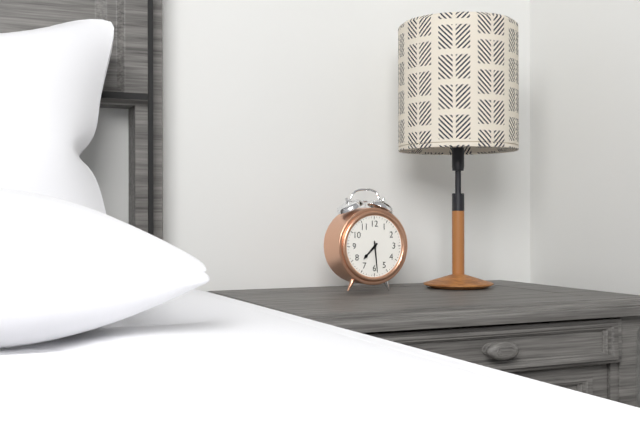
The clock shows h=7 m=29
